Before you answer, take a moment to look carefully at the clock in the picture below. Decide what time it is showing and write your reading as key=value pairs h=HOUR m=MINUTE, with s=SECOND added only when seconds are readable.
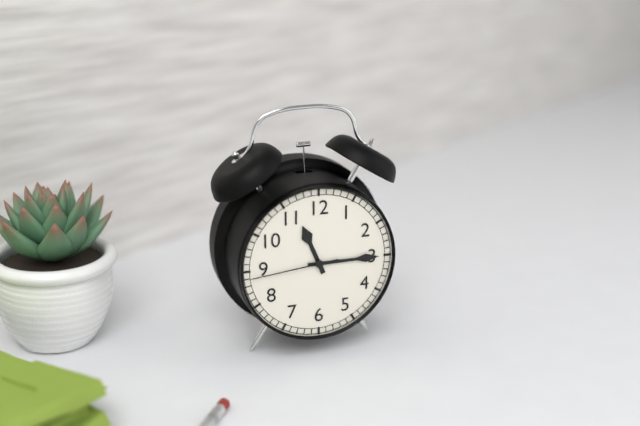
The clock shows h=11 m=15 s=44
